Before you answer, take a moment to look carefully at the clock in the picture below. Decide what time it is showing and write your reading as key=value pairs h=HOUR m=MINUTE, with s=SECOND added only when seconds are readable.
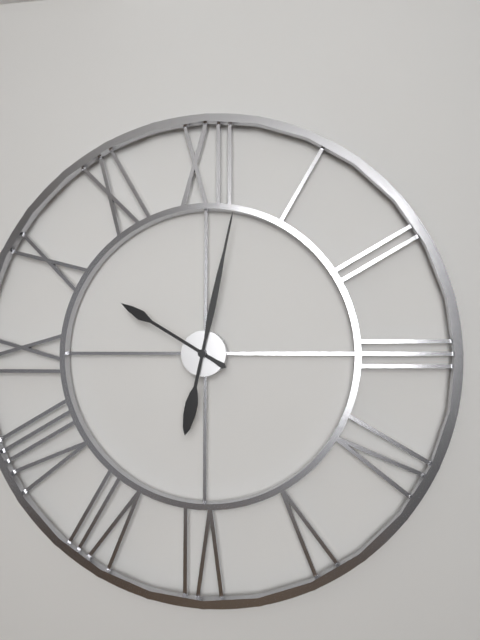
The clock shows h=10 m=2
